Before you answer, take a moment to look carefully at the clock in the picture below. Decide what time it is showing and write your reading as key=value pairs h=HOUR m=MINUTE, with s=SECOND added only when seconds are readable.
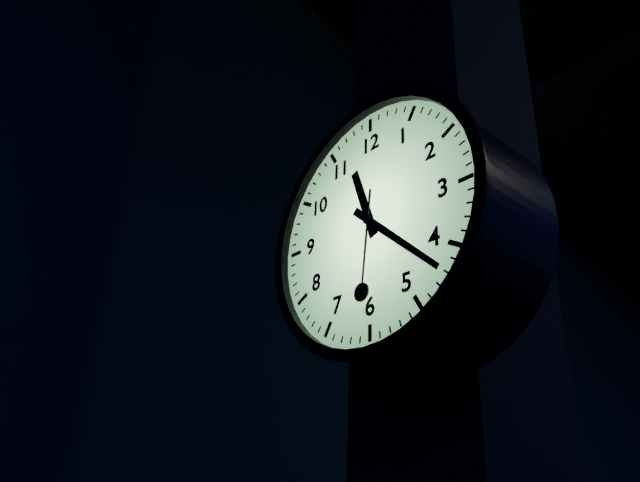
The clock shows h=11 m=22 s=31
